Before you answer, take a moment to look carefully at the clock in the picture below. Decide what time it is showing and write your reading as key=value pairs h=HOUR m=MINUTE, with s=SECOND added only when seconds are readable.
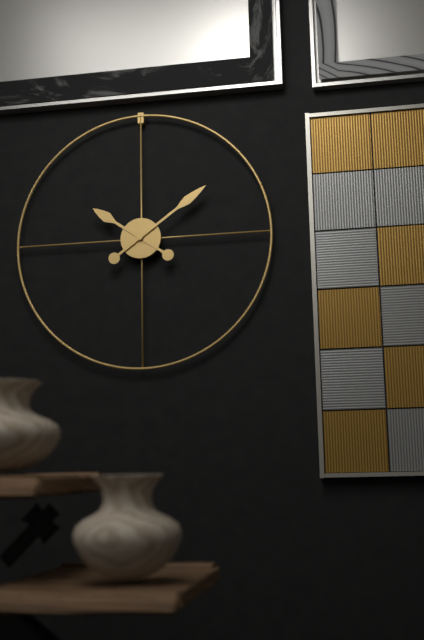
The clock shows h=10 m=9
